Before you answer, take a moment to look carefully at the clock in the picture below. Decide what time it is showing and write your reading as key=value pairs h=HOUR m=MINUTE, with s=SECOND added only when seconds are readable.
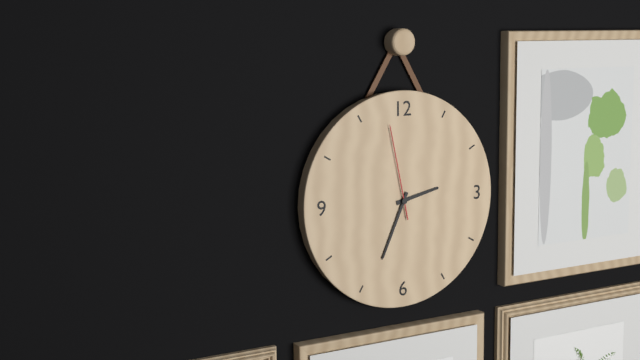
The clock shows h=2 m=34 s=58
